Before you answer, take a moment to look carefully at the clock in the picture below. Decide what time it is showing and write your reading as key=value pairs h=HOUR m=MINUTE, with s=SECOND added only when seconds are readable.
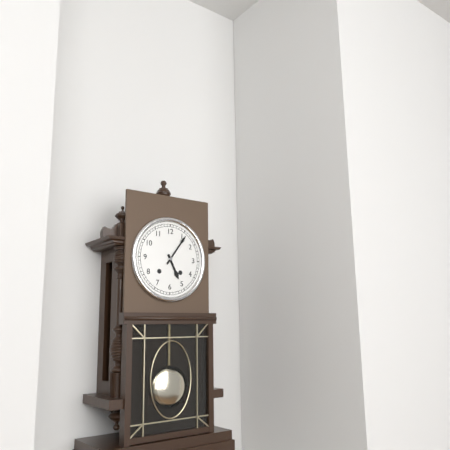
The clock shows h=5 m=6
